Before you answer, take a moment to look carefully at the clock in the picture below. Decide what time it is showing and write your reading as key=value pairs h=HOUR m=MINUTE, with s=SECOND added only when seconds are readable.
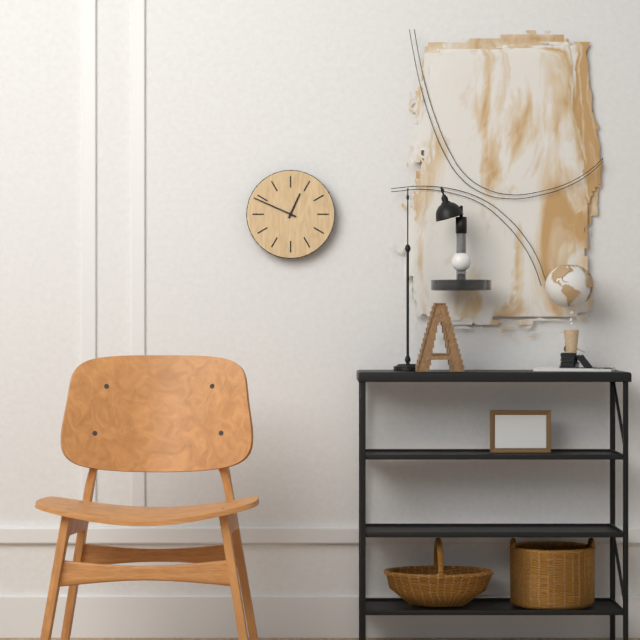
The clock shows h=12 m=49
